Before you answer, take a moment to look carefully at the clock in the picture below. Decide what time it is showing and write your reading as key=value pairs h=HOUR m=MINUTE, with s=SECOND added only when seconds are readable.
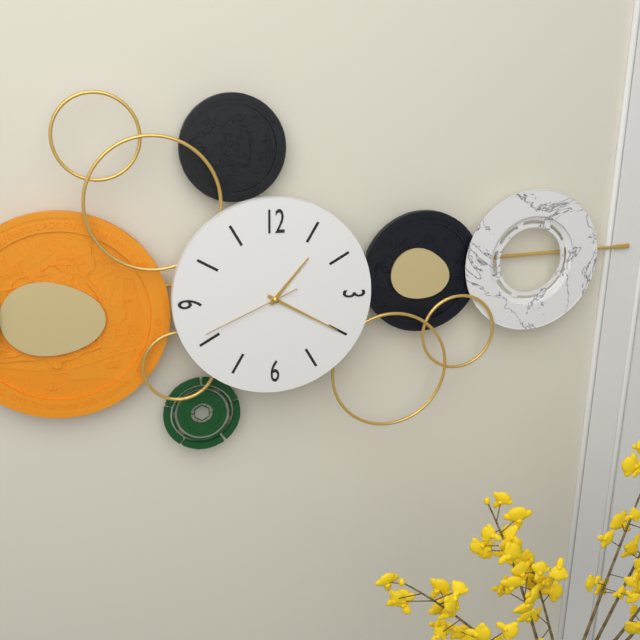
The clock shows h=1 m=20 s=41
